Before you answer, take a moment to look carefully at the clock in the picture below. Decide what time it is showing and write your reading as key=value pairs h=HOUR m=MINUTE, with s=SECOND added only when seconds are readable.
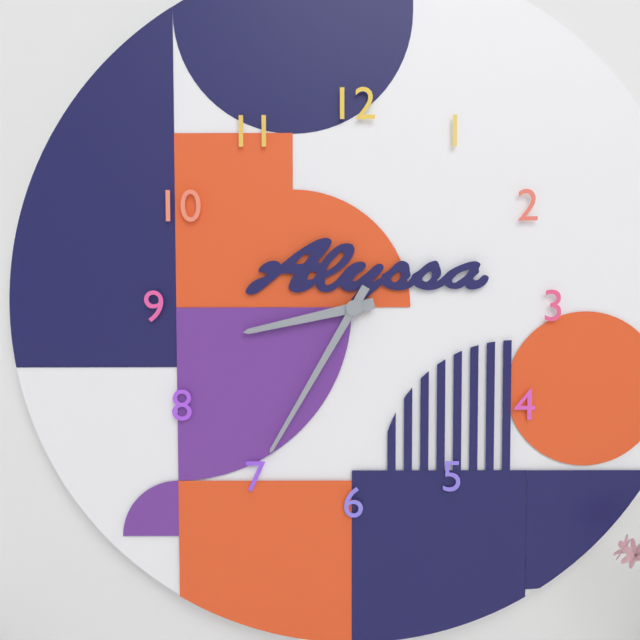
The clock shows h=8 m=35
